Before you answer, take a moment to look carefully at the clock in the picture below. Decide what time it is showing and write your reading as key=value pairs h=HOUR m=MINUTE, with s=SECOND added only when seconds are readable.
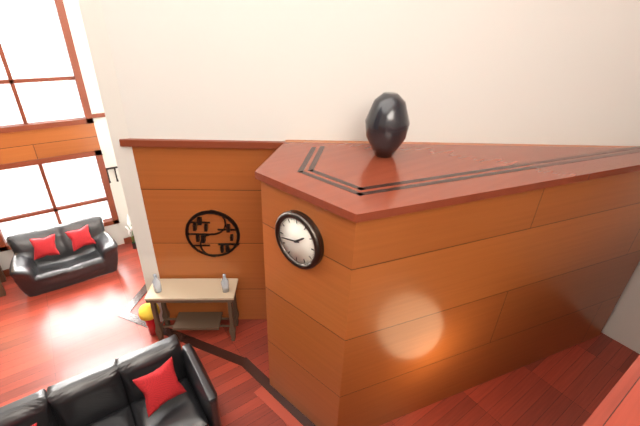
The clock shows h=1 m=43
